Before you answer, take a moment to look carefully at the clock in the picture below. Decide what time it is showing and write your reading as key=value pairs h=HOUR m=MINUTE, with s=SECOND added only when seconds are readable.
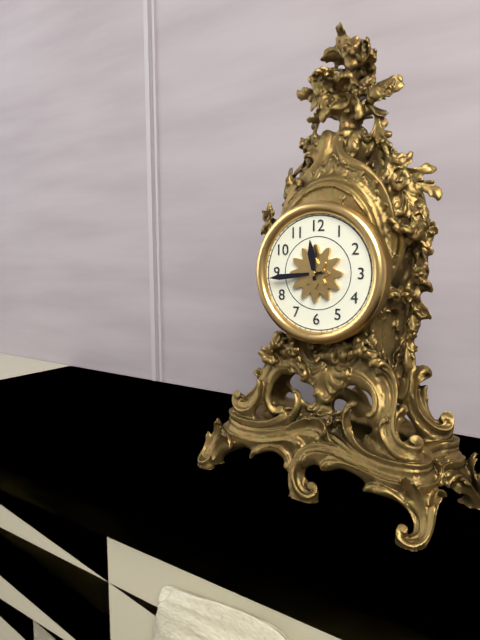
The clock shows h=11 m=44
